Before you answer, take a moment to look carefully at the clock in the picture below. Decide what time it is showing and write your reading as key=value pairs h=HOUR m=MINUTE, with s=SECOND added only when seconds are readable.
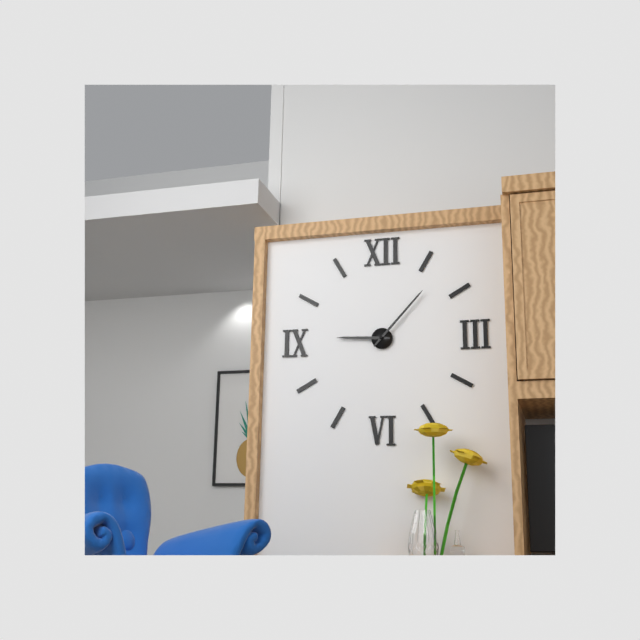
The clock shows h=9 m=7
